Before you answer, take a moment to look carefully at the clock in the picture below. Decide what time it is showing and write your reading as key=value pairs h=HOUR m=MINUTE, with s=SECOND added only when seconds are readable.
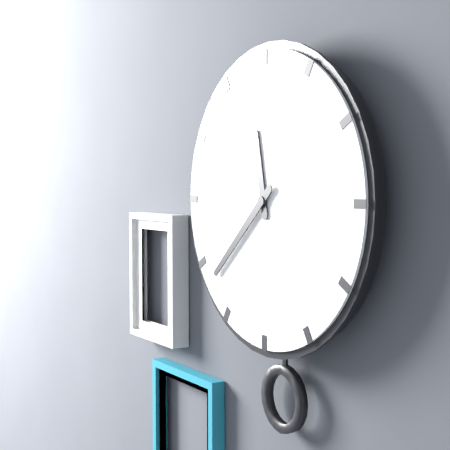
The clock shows h=11 m=38
